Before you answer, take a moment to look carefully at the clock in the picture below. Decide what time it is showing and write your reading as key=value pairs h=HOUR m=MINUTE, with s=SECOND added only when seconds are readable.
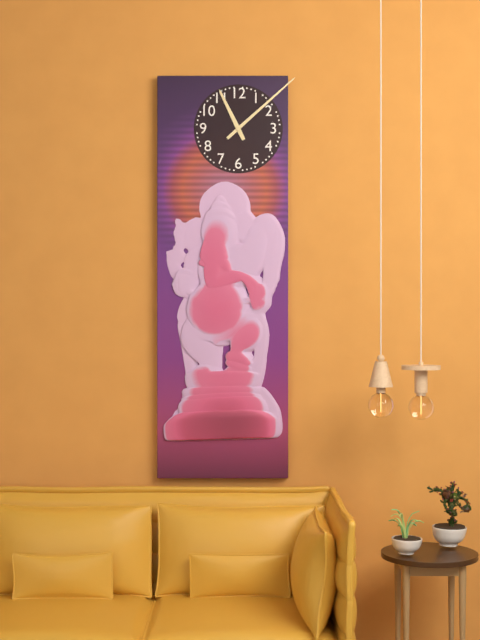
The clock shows h=11 m=8
